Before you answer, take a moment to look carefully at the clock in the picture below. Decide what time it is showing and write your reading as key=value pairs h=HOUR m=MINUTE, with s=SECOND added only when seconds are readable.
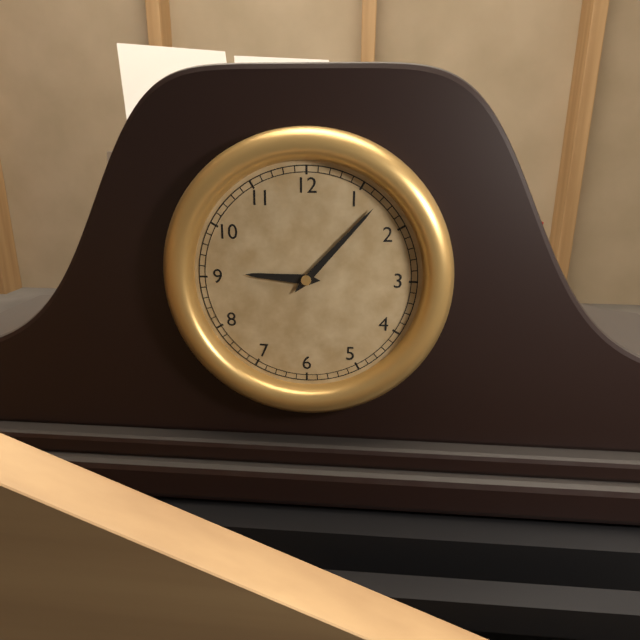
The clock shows h=9 m=7
